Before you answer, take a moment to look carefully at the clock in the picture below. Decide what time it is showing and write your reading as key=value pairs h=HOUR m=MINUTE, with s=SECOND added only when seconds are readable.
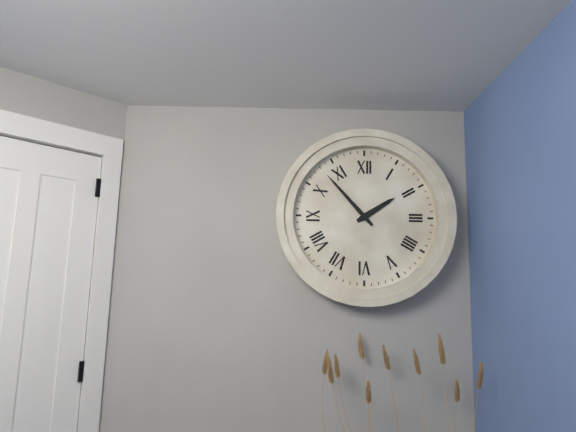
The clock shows h=1 m=53
